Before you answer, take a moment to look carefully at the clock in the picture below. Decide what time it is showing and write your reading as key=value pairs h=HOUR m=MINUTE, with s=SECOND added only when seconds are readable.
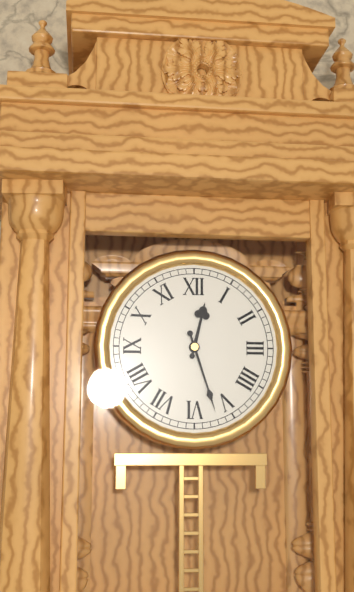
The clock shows h=12 m=27
